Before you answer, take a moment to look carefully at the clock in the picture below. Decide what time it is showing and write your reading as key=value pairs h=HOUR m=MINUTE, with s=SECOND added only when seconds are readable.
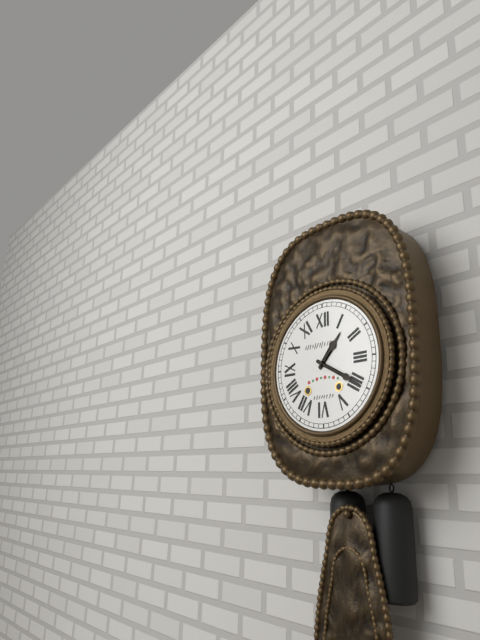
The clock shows h=1 m=20
